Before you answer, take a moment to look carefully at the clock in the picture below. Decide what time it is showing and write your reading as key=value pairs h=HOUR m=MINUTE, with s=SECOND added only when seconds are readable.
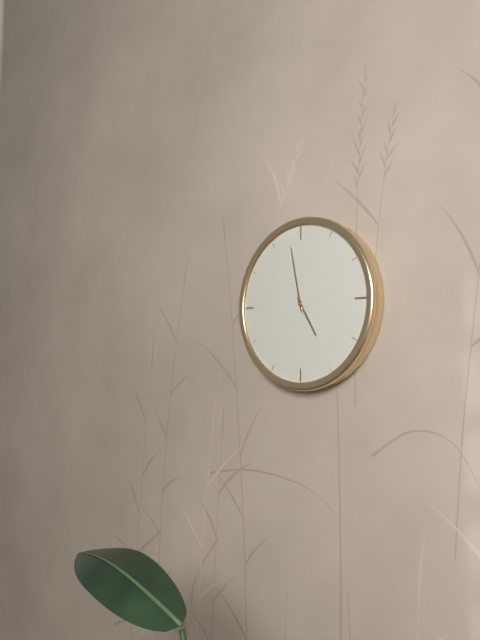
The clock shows h=4 m=58
